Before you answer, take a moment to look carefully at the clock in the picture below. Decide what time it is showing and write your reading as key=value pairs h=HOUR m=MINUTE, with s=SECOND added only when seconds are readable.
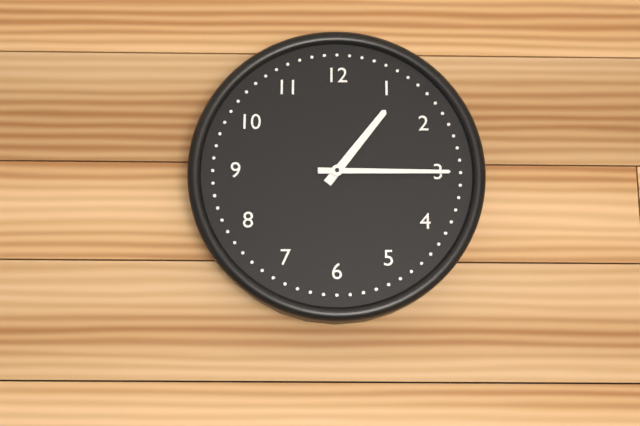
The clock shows h=1 m=15
